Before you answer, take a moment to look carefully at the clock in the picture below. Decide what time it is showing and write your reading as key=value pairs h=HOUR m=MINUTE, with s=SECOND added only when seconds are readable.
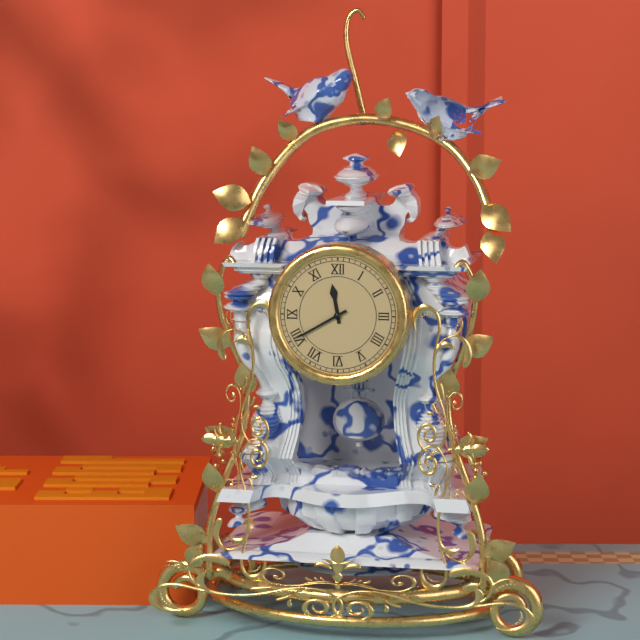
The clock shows h=11 m=40
